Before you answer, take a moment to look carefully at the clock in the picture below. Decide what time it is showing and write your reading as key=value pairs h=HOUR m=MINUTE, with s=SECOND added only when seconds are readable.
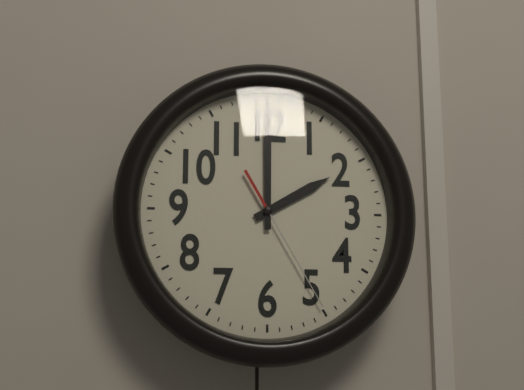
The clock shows h=2 m=0 s=25
